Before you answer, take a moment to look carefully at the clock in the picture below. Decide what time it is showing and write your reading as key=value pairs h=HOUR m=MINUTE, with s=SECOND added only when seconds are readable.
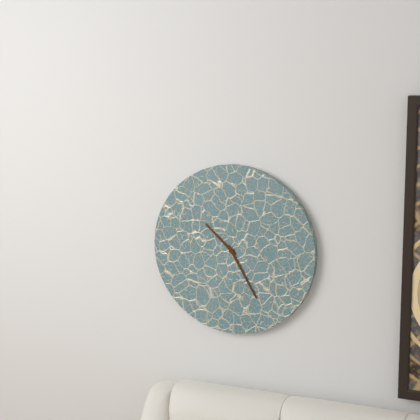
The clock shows h=10 m=25
